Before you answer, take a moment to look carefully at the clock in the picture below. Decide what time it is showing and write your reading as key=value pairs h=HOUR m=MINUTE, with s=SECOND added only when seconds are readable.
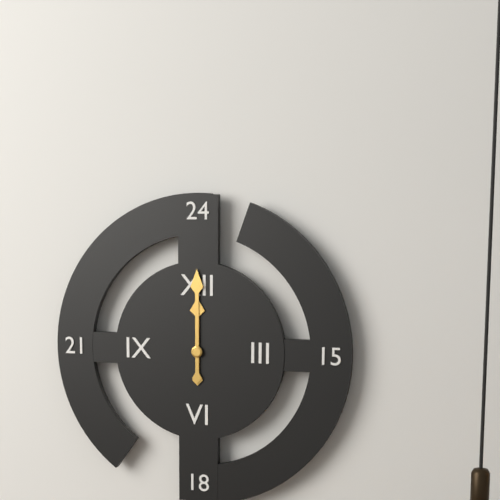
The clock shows h=12 m=0
